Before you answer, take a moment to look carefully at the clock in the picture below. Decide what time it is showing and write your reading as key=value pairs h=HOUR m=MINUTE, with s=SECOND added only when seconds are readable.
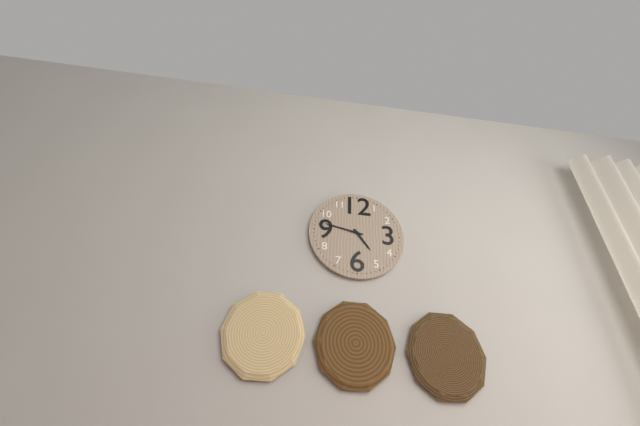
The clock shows h=4 m=47
